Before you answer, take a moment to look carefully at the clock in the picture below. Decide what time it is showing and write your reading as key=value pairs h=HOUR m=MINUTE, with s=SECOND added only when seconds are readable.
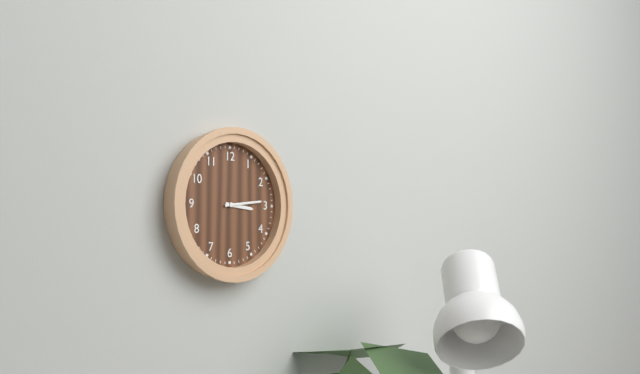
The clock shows h=3 m=14
